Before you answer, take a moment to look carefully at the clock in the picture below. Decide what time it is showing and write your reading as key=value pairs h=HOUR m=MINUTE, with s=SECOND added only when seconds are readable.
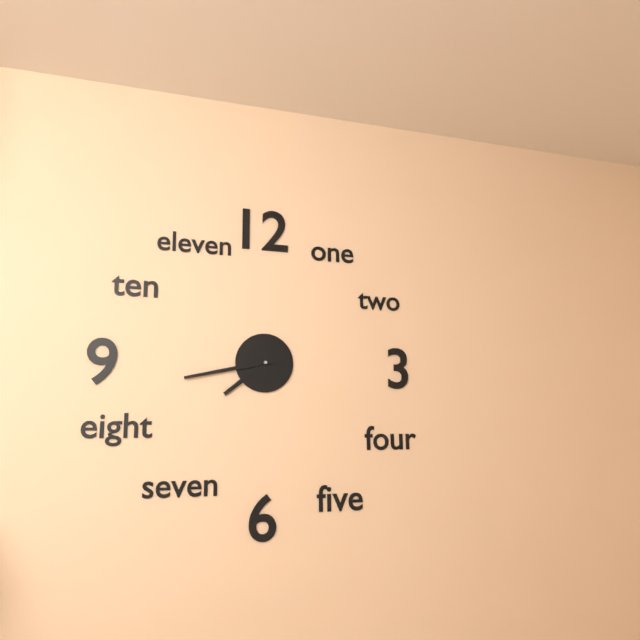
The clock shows h=7 m=43
